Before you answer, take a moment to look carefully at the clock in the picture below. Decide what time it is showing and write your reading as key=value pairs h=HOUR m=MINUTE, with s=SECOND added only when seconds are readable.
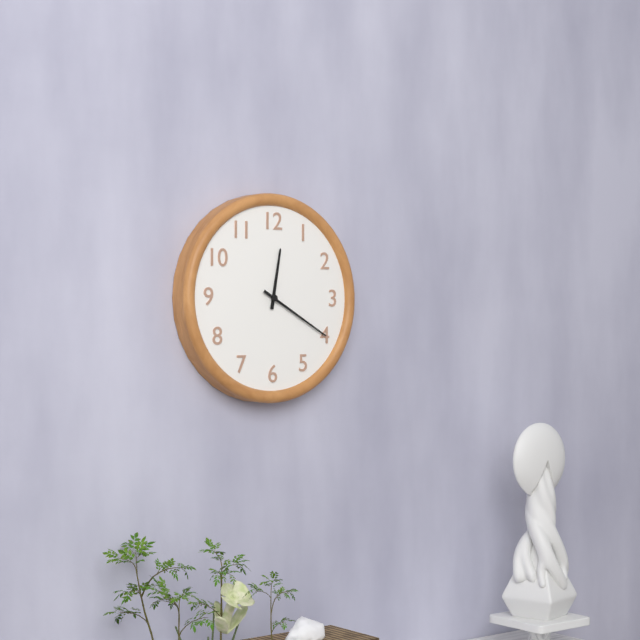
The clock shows h=12 m=20
